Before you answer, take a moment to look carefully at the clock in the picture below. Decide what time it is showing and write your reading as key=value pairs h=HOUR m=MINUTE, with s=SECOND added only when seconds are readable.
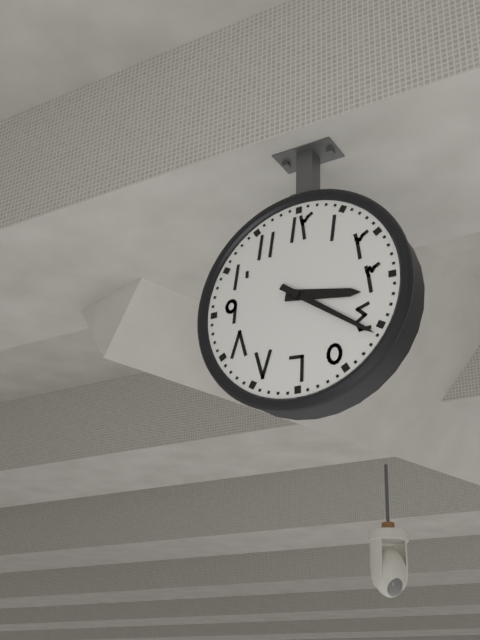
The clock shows h=3 m=21
